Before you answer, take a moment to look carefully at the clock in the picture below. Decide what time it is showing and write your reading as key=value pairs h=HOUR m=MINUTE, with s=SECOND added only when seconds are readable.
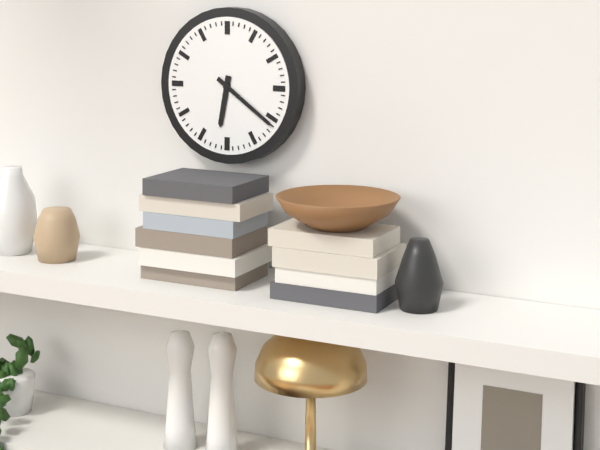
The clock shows h=6 m=21
